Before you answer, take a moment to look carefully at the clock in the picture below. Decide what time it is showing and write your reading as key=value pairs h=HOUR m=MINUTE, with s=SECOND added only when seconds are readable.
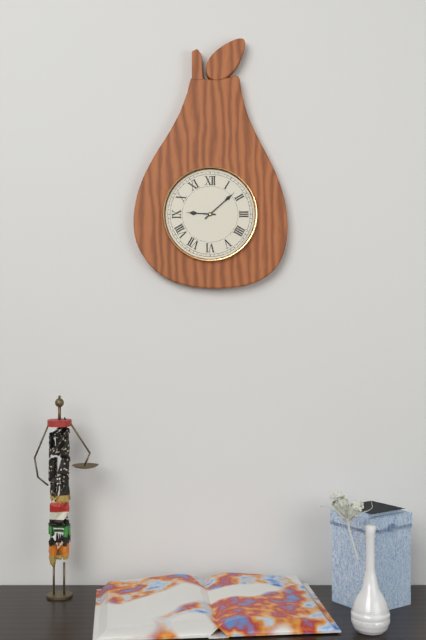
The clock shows h=9 m=8
